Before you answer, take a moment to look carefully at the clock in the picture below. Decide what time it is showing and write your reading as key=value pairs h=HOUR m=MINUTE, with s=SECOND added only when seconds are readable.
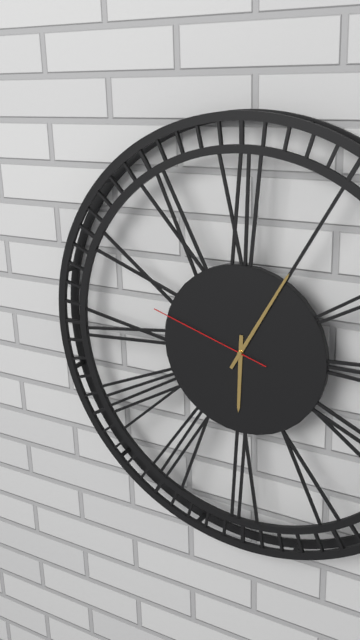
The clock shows h=6 m=5 s=48
